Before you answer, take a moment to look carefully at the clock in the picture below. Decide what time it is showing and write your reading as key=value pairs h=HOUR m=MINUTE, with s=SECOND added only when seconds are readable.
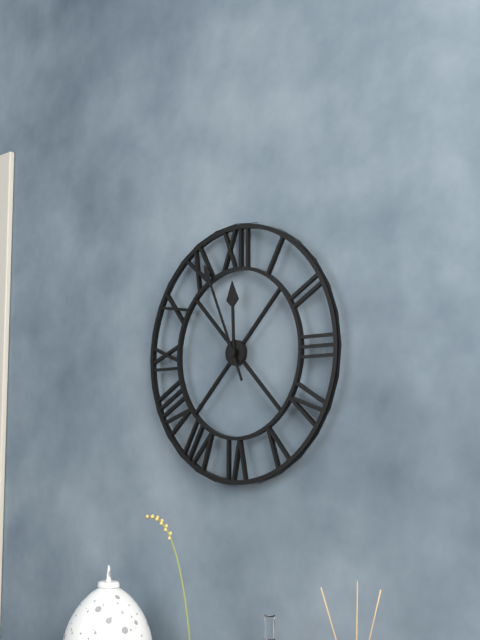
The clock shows h=11 m=56
